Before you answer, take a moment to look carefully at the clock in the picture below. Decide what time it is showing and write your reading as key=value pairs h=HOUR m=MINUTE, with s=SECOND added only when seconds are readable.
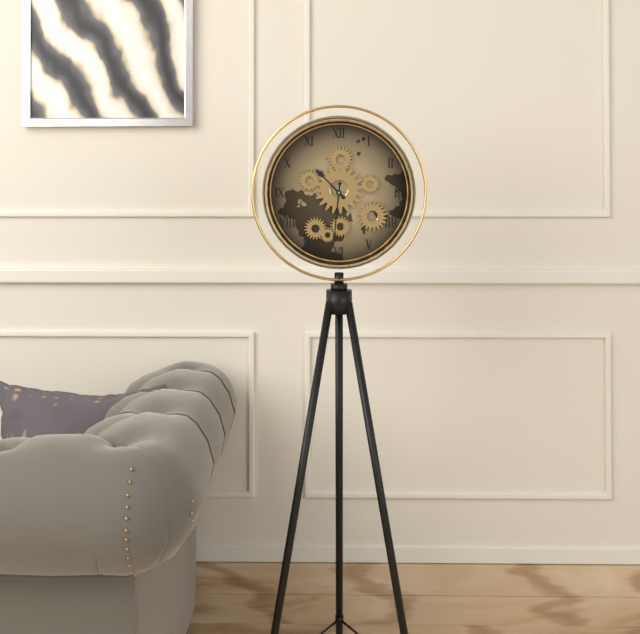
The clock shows h=10 m=31
